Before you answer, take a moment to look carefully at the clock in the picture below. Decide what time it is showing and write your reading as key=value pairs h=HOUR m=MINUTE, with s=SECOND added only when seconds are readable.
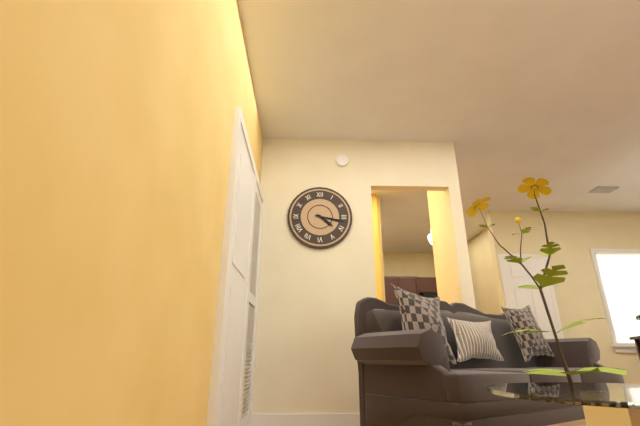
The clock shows h=4 m=17
